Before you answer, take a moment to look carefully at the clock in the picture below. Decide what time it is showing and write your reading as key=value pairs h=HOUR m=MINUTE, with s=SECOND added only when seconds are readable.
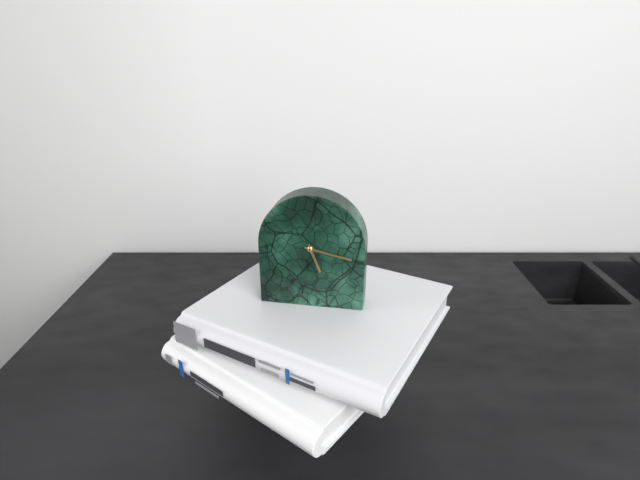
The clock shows h=5 m=17
